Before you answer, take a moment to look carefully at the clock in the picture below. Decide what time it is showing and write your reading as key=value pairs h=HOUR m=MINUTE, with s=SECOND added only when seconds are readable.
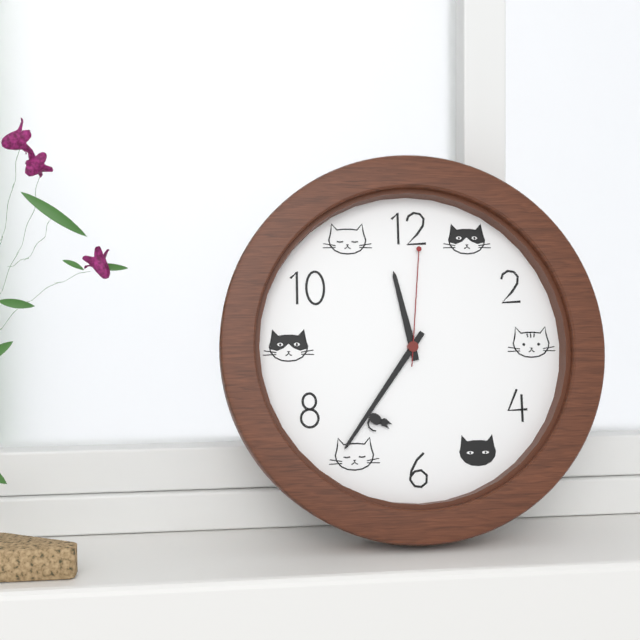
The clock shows h=11 m=36 s=1
